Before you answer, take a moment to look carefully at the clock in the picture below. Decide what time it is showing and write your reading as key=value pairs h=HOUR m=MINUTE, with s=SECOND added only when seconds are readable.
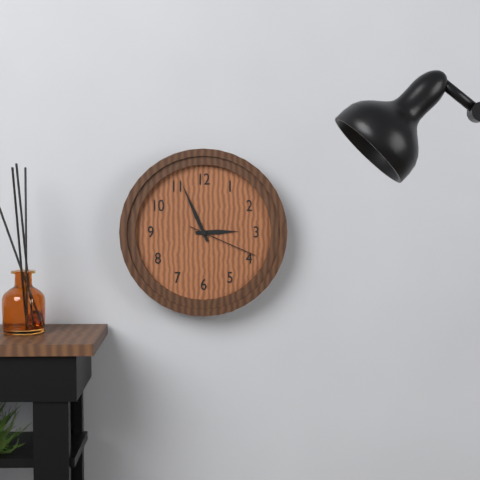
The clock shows h=2 m=56 s=19
